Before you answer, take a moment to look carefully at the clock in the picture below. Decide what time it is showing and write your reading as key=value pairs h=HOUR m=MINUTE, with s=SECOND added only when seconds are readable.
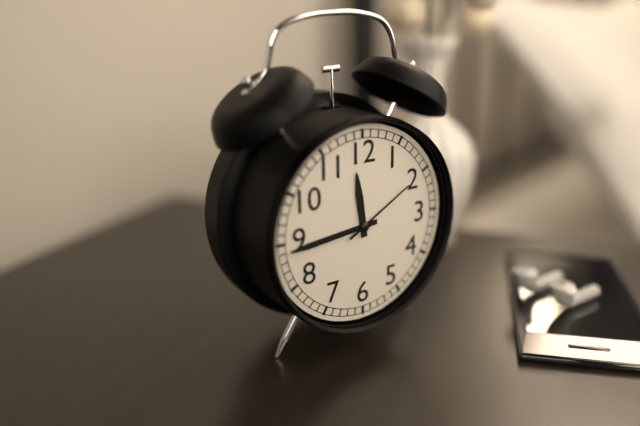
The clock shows h=11 m=44 s=10
